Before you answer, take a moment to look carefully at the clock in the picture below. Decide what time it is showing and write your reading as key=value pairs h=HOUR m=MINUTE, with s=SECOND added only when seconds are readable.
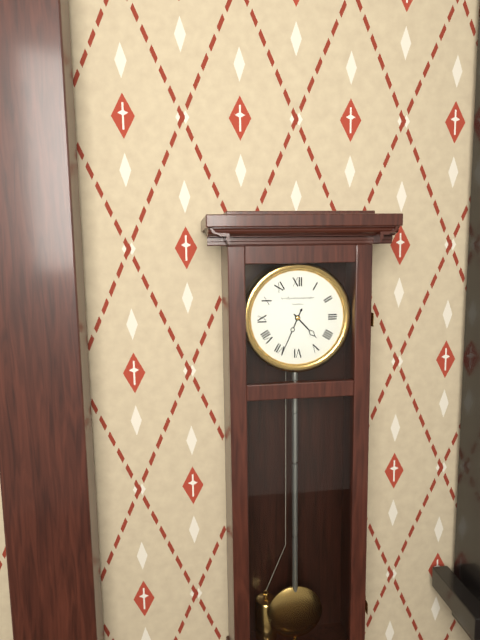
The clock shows h=4 m=34
